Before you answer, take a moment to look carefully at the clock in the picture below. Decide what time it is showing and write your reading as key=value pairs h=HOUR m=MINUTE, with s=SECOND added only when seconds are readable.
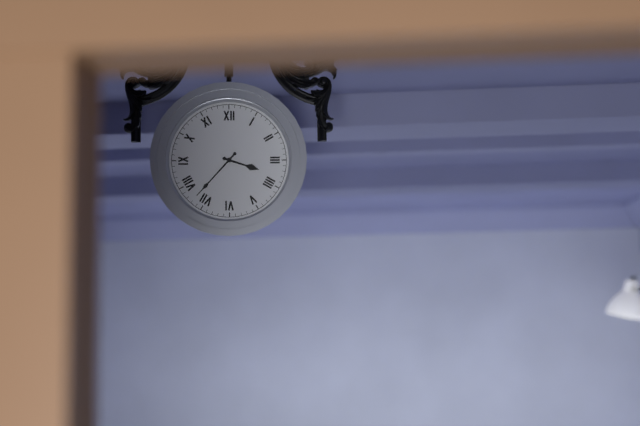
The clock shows h=3 m=37
